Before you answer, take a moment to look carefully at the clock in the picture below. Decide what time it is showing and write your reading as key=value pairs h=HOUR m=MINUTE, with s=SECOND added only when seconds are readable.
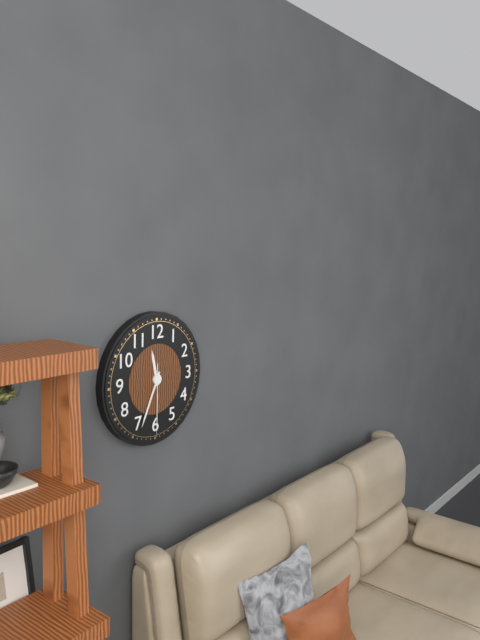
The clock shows h=11 m=34 s=30
